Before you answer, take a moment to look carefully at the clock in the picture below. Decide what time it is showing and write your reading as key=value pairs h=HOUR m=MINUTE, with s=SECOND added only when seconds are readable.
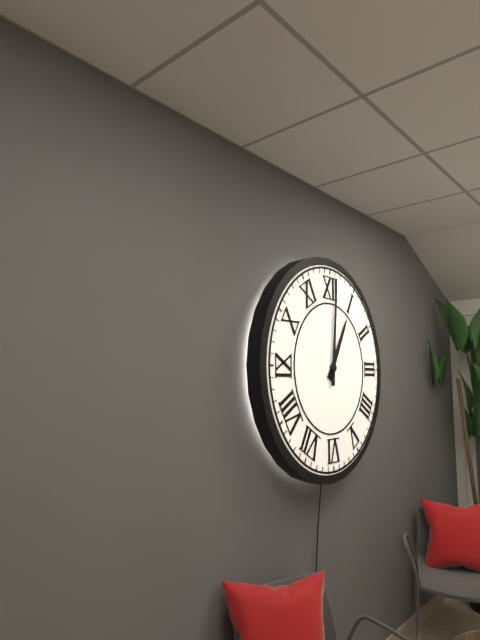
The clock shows h=1 m=1
